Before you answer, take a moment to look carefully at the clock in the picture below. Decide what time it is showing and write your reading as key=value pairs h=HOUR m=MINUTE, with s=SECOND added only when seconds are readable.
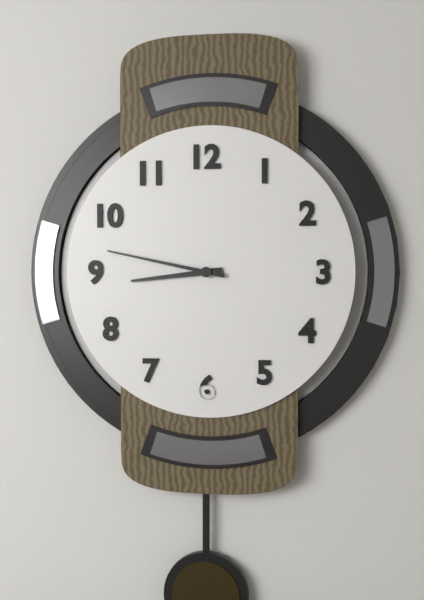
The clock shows h=8 m=47
